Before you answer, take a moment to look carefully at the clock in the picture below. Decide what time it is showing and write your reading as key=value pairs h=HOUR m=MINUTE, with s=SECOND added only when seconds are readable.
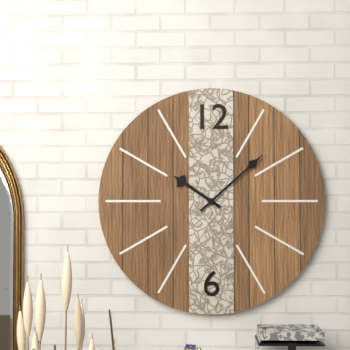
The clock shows h=10 m=8
